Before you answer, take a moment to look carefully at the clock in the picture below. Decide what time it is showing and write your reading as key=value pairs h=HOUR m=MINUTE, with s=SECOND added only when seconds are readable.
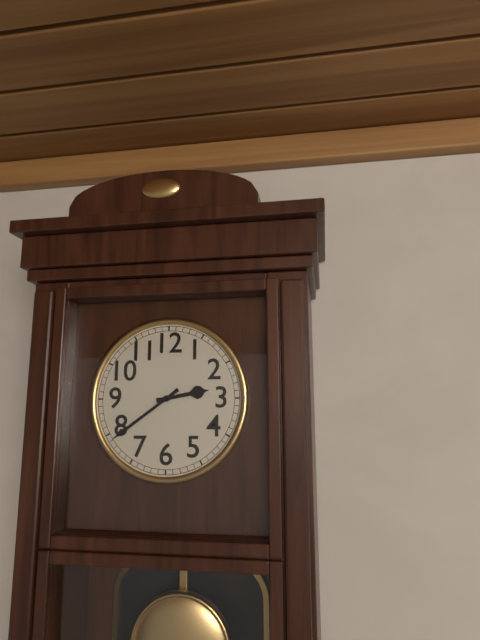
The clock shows h=2 m=39
